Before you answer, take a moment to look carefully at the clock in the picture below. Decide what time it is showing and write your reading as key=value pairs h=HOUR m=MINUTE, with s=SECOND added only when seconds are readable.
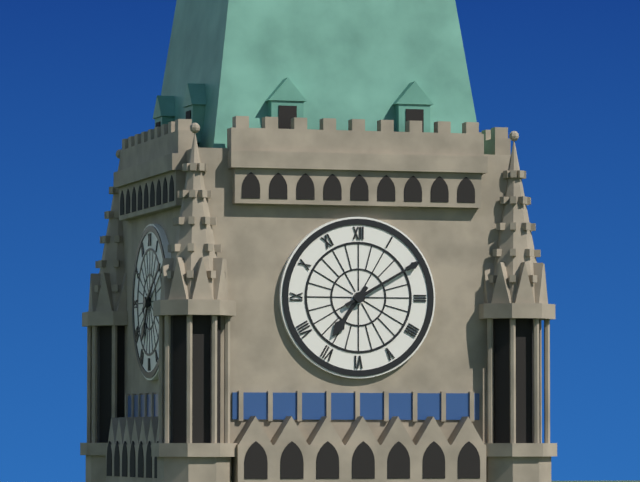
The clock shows h=7 m=10
